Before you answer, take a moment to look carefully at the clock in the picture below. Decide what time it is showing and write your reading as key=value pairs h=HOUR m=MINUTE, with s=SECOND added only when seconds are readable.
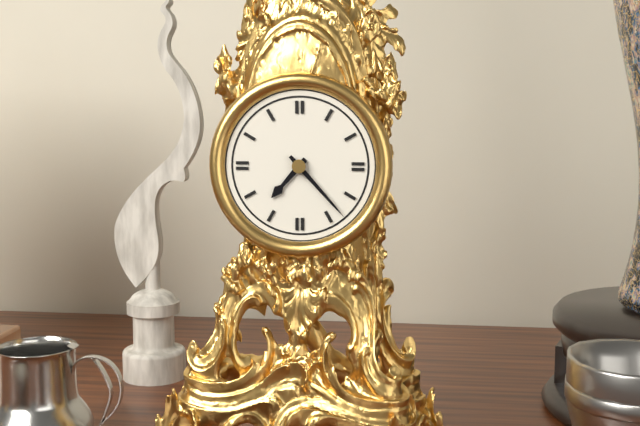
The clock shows h=7 m=23
